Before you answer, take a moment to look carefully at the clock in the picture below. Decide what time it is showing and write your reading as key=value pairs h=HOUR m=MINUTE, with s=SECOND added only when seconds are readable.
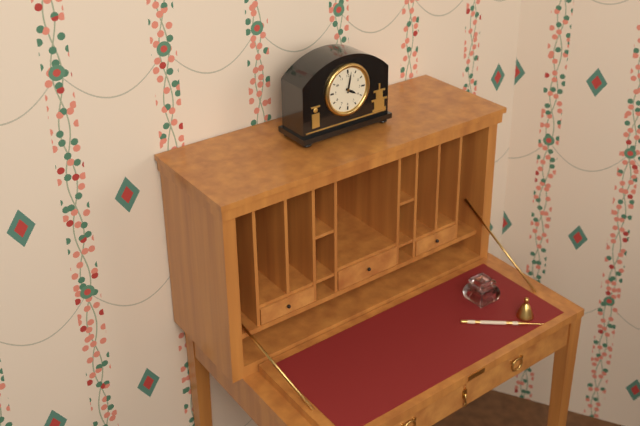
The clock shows h=4 m=2
